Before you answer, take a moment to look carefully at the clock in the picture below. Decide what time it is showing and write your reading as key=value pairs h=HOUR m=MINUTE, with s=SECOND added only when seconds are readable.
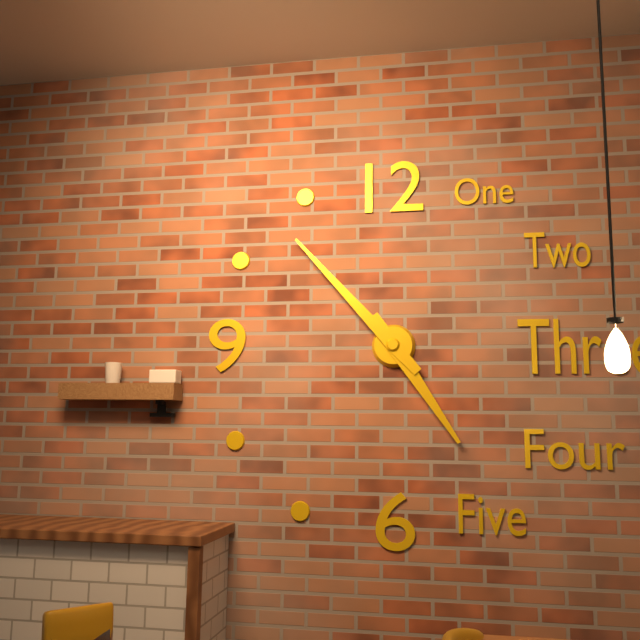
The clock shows h=4 m=53
